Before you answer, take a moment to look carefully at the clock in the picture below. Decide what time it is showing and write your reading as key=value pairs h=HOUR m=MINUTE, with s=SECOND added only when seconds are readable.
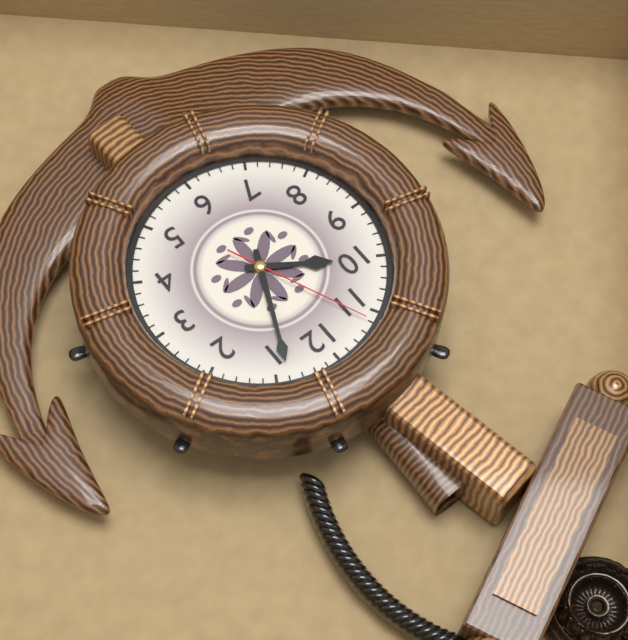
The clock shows h=10 m=4 s=56
